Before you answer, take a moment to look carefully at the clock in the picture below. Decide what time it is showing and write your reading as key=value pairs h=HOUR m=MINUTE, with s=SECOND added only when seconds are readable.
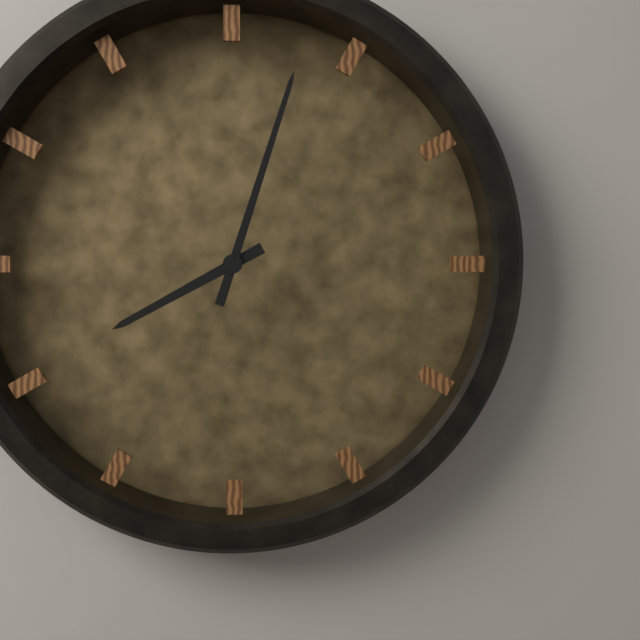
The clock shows h=8 m=3
